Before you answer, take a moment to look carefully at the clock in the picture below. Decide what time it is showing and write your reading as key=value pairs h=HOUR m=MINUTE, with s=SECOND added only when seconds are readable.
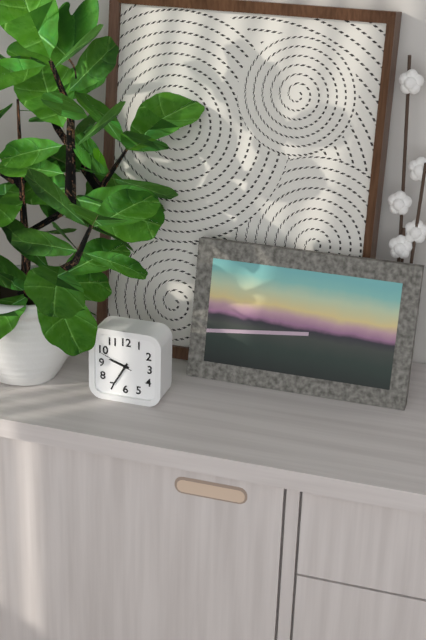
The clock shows h=9 m=35
